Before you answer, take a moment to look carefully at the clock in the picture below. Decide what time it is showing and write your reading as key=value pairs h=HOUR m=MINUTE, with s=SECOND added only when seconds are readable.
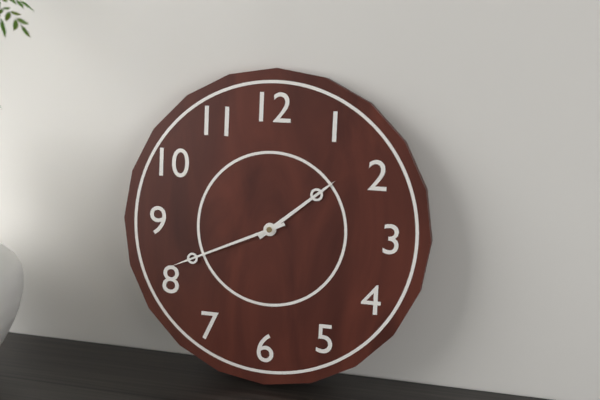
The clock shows h=1 m=41
